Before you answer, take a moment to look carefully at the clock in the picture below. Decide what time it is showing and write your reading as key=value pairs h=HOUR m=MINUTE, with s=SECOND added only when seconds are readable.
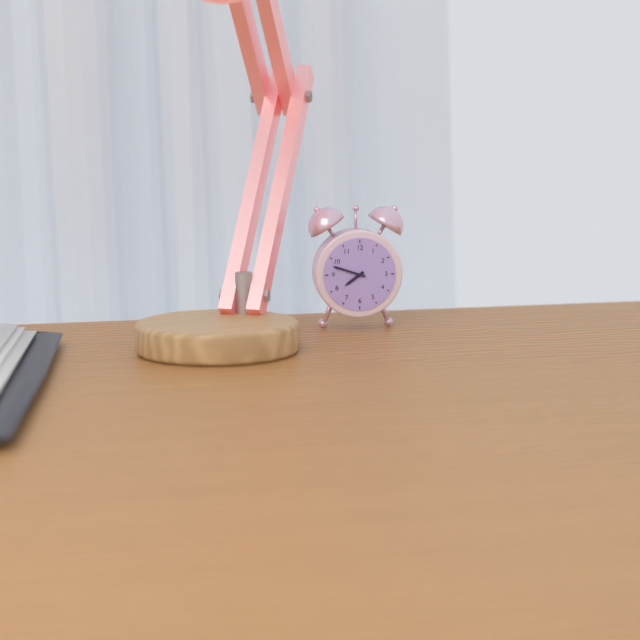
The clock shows h=7 m=48
